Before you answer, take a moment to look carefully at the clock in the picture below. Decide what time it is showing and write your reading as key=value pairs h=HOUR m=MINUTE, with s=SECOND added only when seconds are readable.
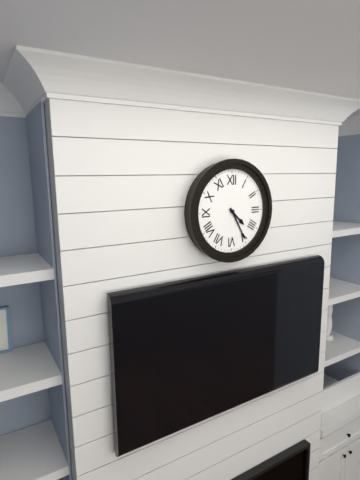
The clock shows h=4 m=25
